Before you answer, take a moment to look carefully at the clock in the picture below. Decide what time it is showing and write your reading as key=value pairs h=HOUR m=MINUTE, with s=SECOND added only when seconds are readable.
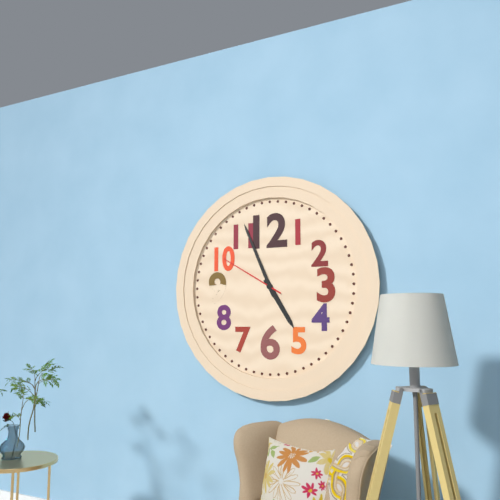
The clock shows h=4 m=56 s=50
